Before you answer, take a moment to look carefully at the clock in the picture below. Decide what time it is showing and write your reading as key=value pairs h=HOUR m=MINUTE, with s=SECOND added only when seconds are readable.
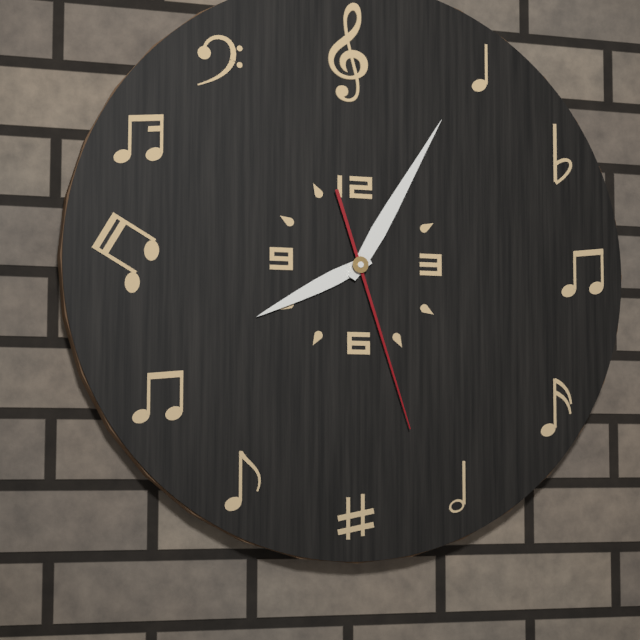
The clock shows h=8 m=5 s=27
